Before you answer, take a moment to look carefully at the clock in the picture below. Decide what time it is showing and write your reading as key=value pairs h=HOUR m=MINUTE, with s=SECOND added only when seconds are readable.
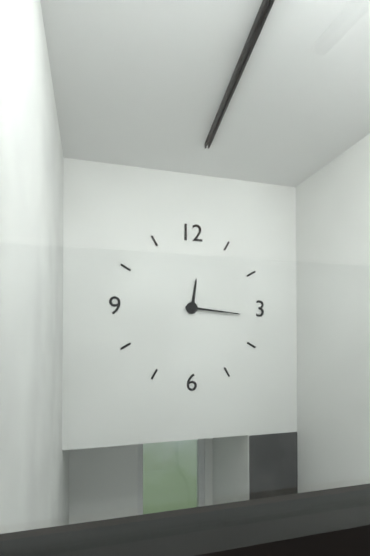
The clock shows h=12 m=16
